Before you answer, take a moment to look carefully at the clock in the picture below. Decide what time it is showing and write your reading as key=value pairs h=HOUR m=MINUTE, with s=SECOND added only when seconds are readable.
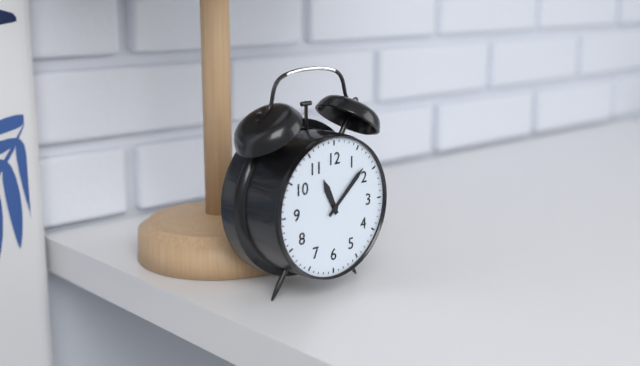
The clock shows h=11 m=8
